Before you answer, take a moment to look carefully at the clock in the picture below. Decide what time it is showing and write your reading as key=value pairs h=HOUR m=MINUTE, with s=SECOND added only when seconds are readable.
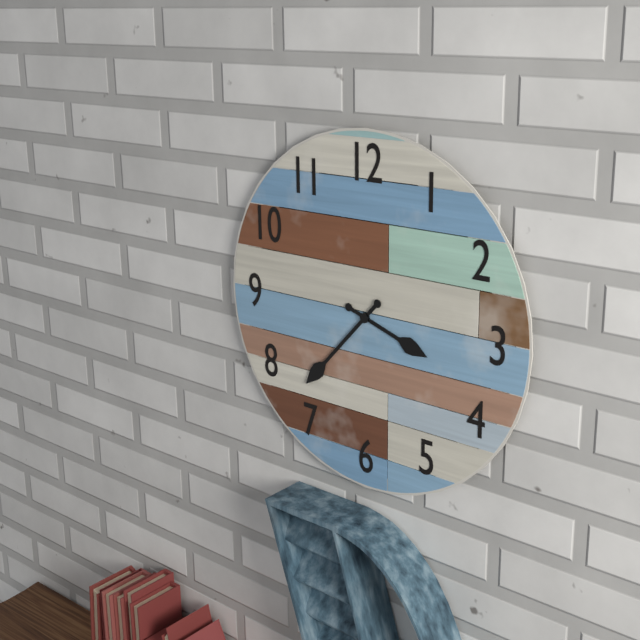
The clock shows h=3 m=37
